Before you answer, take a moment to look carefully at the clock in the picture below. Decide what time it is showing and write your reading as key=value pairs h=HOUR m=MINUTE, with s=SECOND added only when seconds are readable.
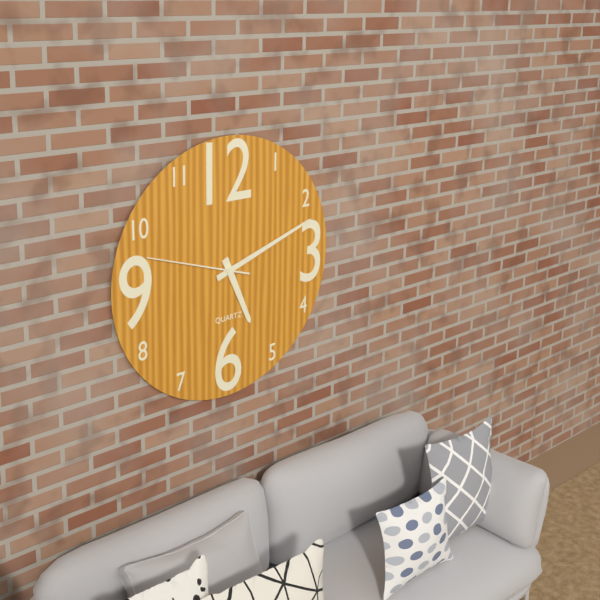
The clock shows h=5 m=12 s=48
